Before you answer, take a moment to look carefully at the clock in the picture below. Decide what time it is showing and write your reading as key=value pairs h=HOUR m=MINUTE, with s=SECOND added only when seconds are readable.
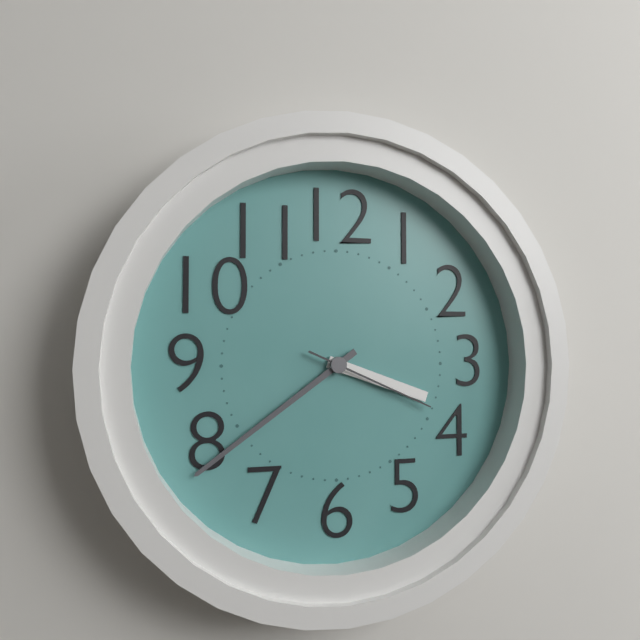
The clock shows h=3 m=39 s=19
